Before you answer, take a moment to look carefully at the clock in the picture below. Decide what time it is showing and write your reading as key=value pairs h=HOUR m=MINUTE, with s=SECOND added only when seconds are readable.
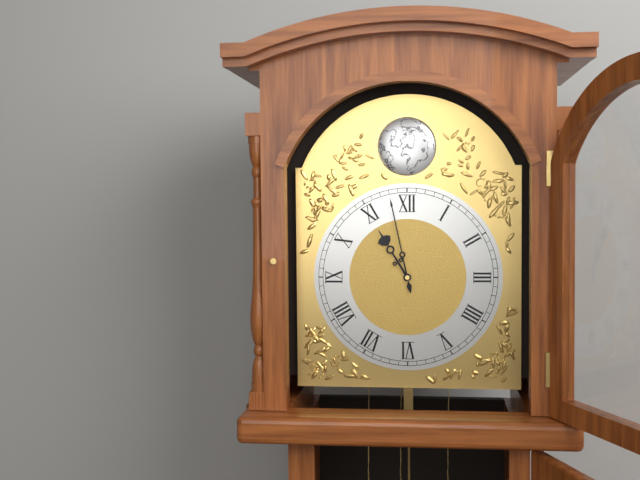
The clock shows h=10 m=58
